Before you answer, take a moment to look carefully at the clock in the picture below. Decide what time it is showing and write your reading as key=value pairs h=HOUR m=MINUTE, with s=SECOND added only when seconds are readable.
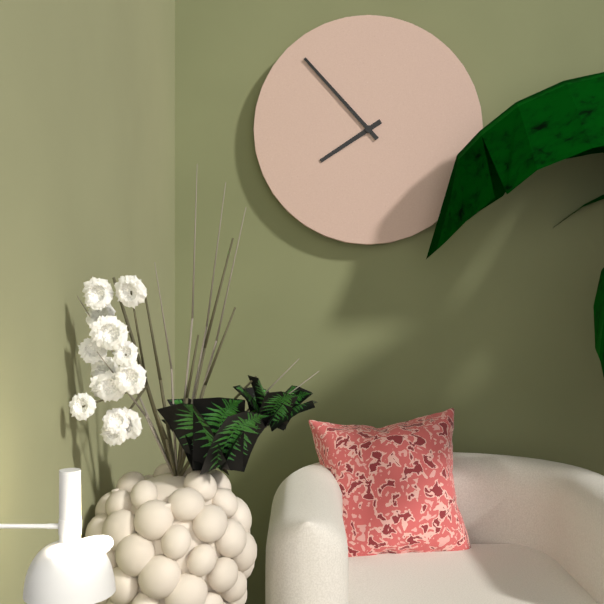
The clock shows h=7 m=53
